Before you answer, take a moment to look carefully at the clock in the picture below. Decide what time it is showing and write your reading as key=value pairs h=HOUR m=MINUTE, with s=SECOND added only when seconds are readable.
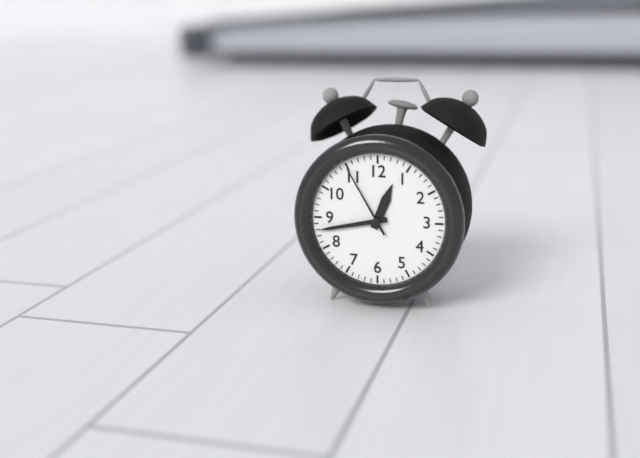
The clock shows h=12 m=43 s=55
